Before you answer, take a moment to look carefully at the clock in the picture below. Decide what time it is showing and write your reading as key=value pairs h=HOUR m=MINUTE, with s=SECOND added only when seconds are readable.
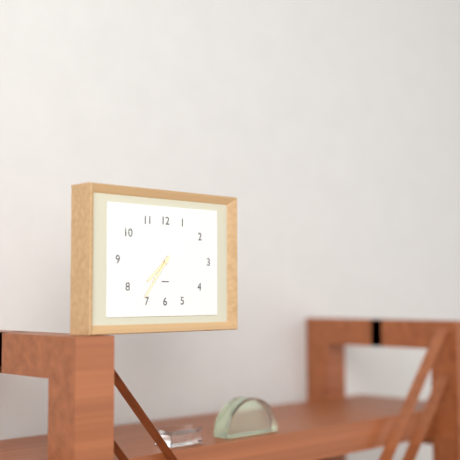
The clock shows h=7 m=36
